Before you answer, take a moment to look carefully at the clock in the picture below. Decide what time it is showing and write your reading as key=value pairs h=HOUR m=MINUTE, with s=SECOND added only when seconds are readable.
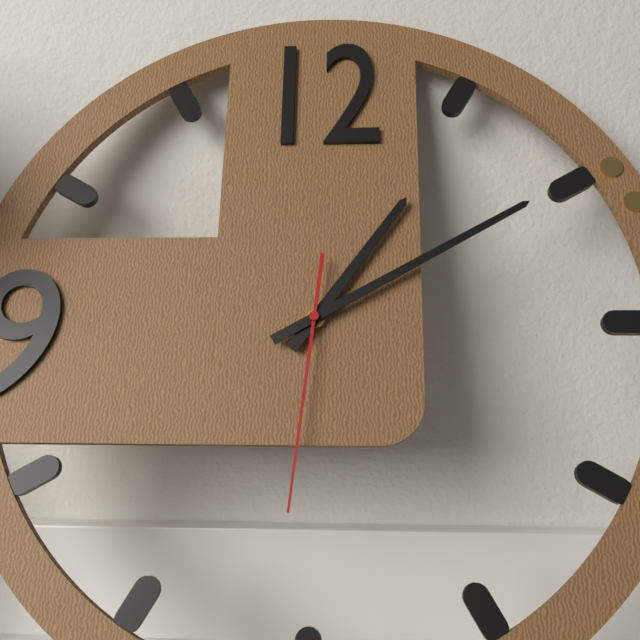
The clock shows h=1 m=10 s=31
